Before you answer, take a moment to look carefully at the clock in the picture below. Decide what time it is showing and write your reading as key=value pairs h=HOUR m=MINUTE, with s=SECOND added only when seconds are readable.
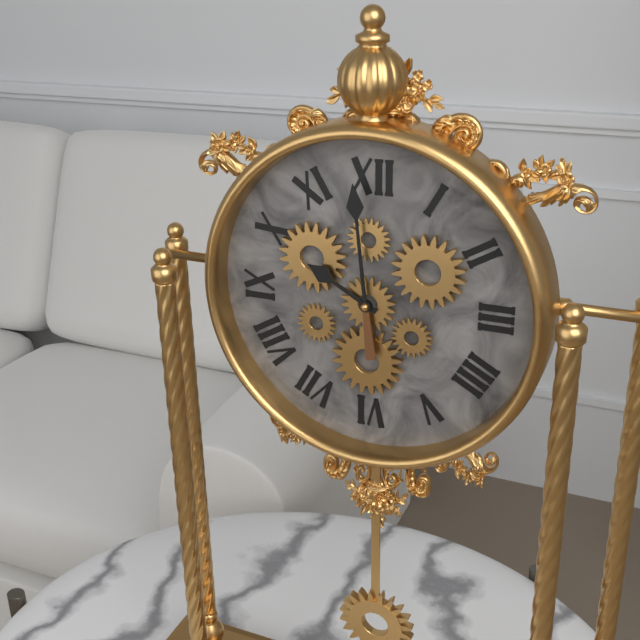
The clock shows h=9 m=59
